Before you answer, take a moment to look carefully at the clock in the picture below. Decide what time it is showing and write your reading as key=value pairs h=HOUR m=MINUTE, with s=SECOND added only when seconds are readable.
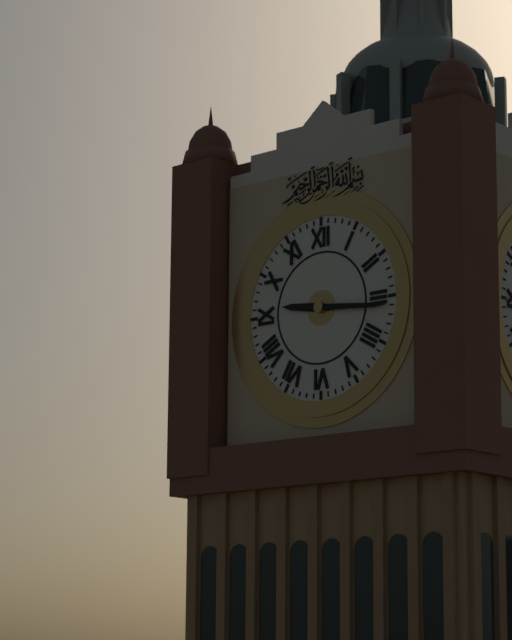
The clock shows h=9 m=16
